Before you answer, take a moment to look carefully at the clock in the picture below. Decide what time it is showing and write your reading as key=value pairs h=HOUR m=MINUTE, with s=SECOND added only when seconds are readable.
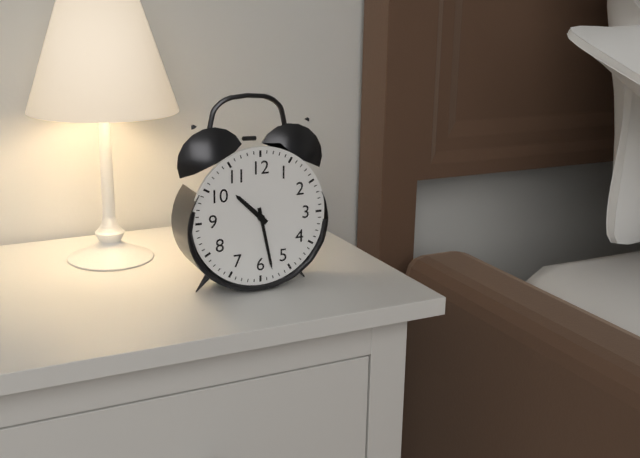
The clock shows h=10 m=28
